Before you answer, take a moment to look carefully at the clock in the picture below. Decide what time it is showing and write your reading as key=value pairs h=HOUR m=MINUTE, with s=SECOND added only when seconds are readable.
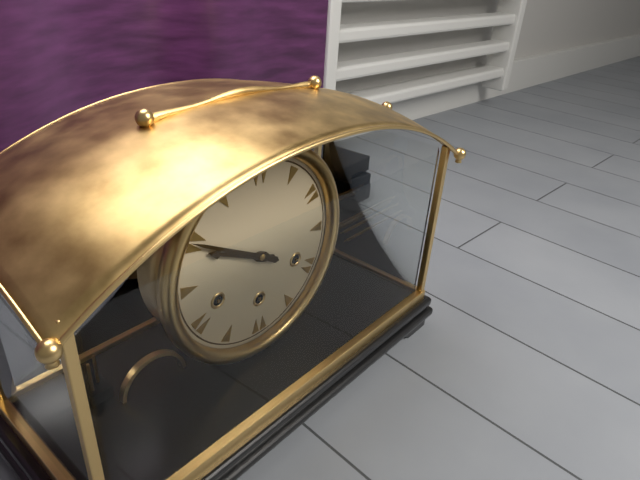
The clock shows h=9 m=50
